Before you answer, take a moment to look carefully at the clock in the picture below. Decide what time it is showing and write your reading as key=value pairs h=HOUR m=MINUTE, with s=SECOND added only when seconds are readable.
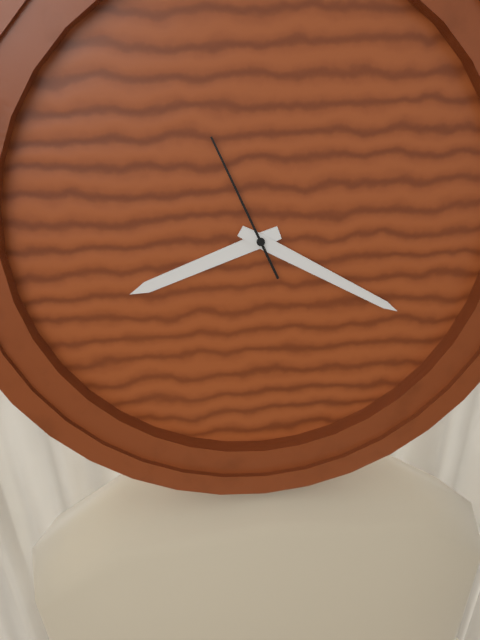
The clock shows h=8 m=20 s=56
